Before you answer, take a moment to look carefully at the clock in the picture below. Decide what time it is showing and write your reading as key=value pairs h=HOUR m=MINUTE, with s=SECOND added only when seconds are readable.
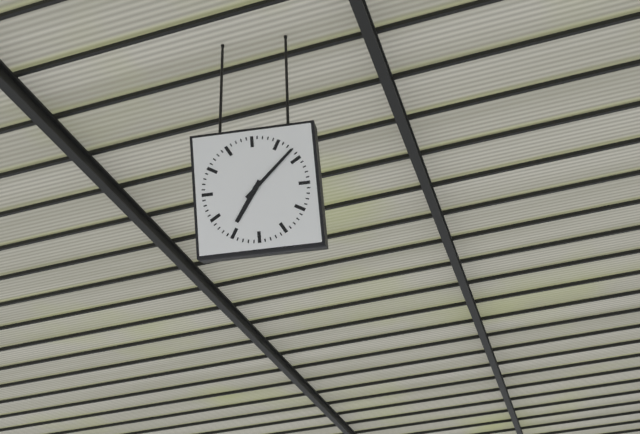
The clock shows h=7 m=8
